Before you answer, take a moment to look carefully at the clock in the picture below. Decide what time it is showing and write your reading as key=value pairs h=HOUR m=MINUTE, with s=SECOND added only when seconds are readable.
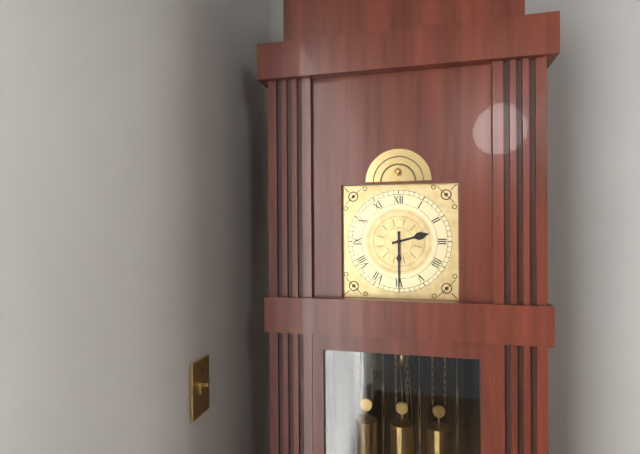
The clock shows h=2 m=30
